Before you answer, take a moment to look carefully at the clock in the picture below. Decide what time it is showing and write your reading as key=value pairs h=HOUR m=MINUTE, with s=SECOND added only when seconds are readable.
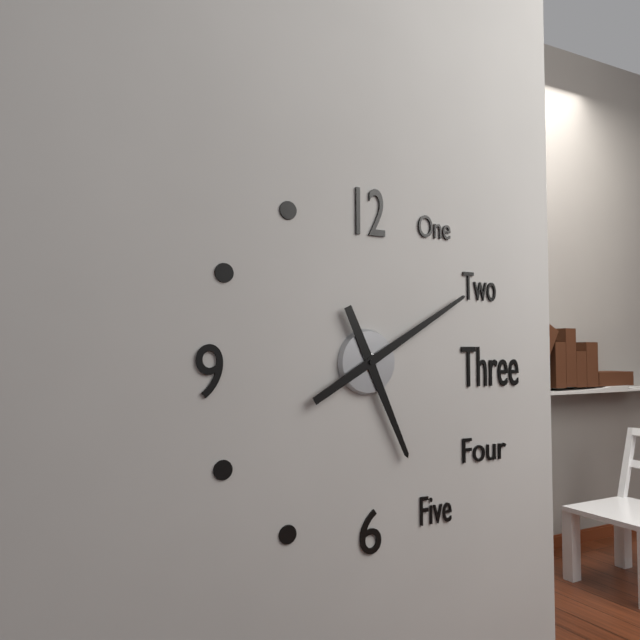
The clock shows h=5 m=10
